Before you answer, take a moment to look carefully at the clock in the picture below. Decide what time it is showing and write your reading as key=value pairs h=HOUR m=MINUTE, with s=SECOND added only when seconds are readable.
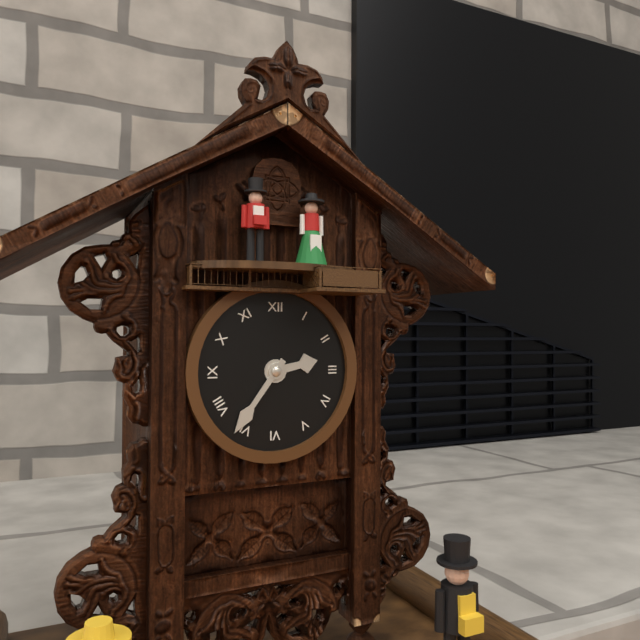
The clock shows h=2 m=36
